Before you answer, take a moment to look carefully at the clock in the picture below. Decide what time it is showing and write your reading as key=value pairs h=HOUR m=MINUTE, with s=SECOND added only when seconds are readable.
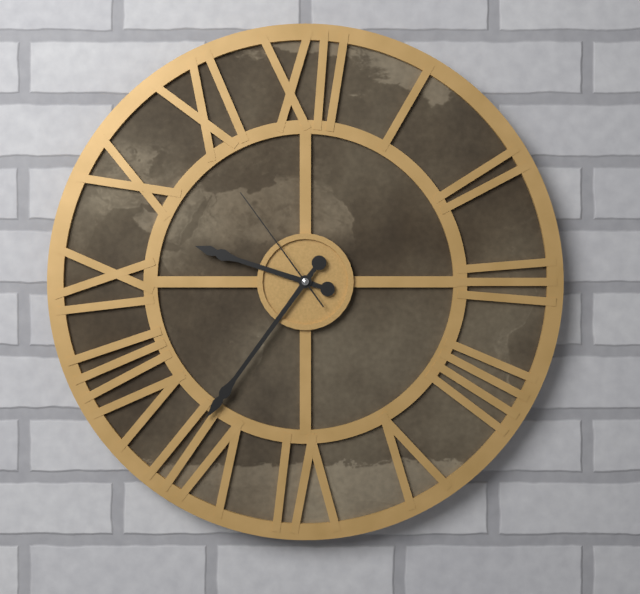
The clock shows h=9 m=36 s=54
